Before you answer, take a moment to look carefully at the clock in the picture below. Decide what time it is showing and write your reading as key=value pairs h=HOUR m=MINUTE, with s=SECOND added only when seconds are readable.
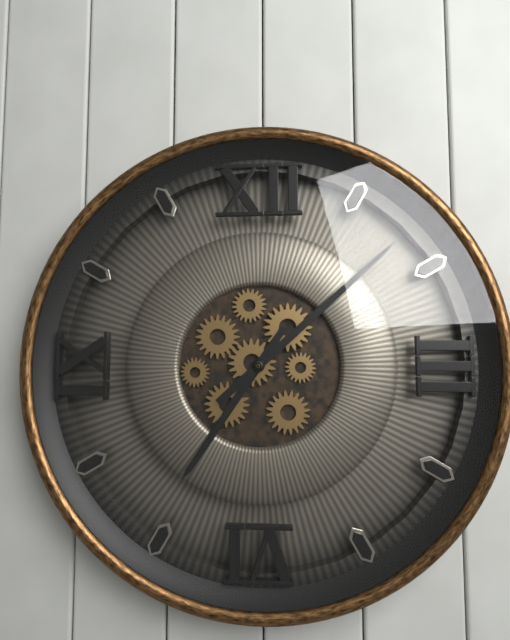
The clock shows h=7 m=8
